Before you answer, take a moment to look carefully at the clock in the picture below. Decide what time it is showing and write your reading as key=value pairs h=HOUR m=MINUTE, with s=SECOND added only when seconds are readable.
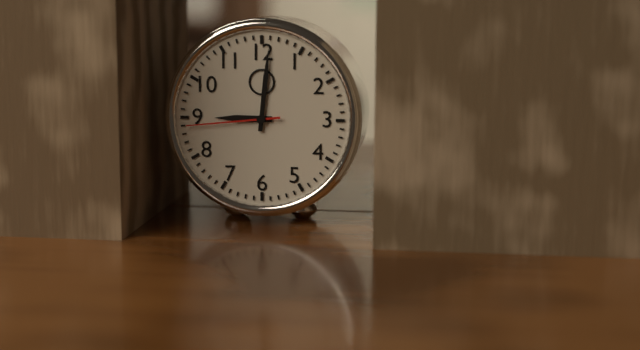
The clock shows h=9 m=1 s=44
